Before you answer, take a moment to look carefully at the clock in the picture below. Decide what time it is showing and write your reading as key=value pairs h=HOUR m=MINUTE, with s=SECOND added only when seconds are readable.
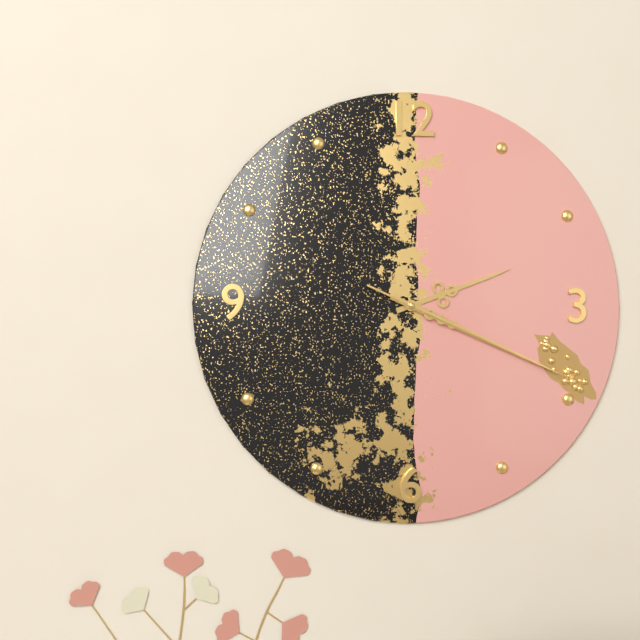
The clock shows h=2 m=19 s=19
